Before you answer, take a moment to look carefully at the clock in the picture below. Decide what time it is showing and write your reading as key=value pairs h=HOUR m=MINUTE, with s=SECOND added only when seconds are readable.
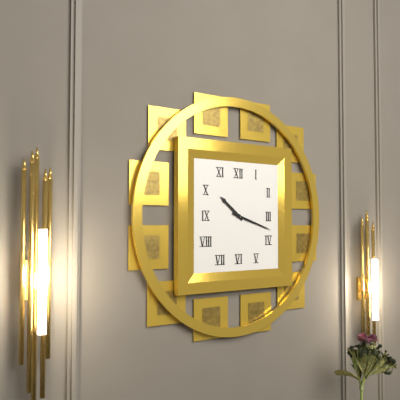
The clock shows h=10 m=18
